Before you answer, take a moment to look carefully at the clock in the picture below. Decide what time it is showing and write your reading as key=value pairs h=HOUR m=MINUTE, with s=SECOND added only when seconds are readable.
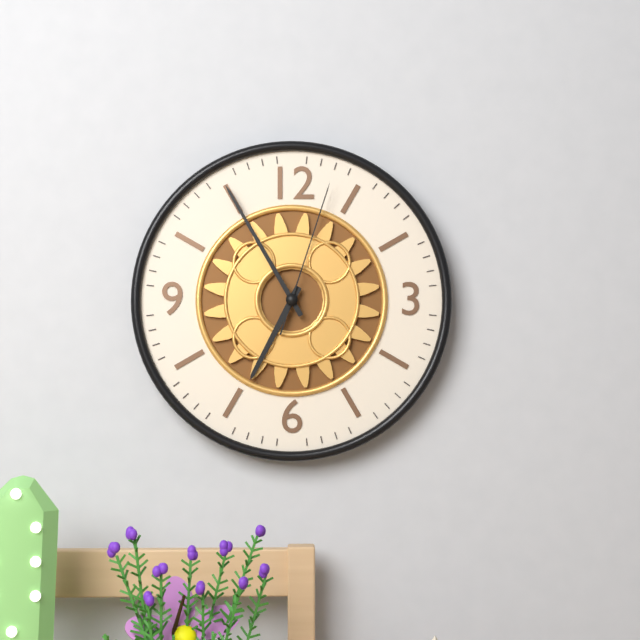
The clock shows h=6 m=55 s=3
